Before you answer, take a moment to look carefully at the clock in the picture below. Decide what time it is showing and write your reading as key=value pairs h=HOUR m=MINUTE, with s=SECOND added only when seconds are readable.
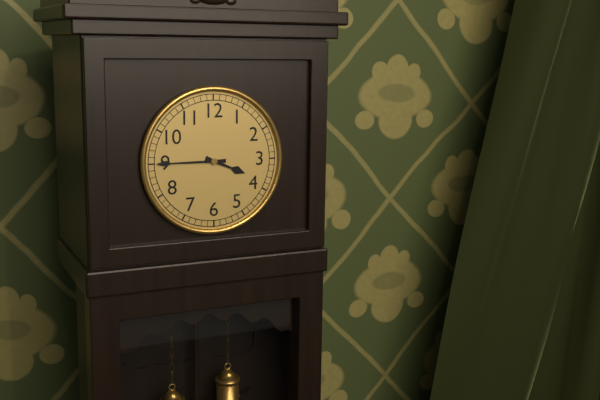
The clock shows h=3 m=45
